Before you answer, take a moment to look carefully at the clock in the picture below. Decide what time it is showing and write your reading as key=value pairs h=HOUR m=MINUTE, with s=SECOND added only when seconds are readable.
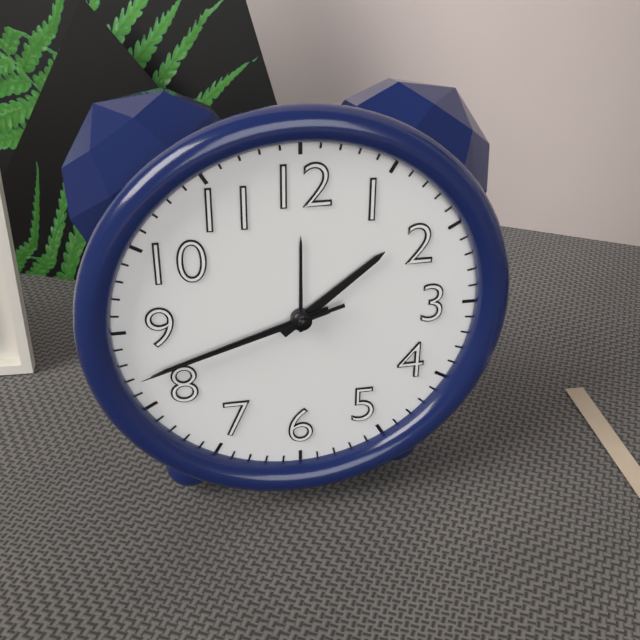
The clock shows h=1 m=42 s=42
